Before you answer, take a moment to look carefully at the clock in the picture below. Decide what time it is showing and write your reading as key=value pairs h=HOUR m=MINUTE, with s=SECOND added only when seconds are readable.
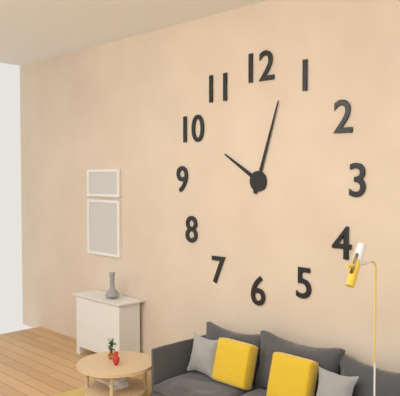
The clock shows h=10 m=3
